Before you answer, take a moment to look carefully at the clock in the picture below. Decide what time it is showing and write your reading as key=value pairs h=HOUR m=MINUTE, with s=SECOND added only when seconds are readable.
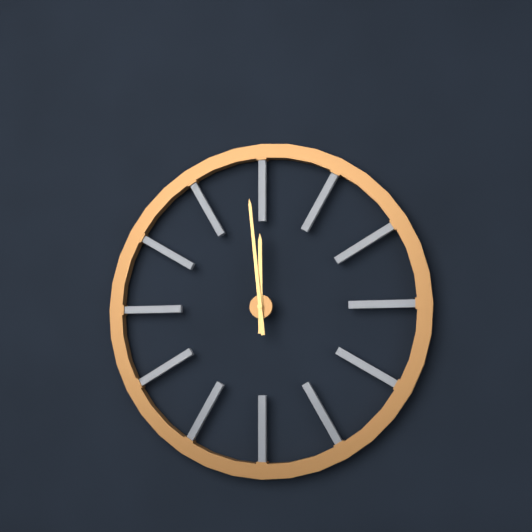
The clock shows h=11 m=59
